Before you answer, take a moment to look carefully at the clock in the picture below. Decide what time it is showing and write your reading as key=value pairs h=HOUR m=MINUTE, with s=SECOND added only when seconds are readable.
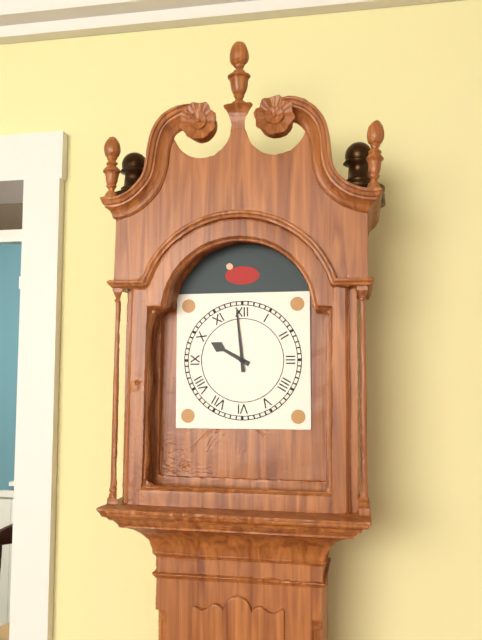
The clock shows h=9 m=59
